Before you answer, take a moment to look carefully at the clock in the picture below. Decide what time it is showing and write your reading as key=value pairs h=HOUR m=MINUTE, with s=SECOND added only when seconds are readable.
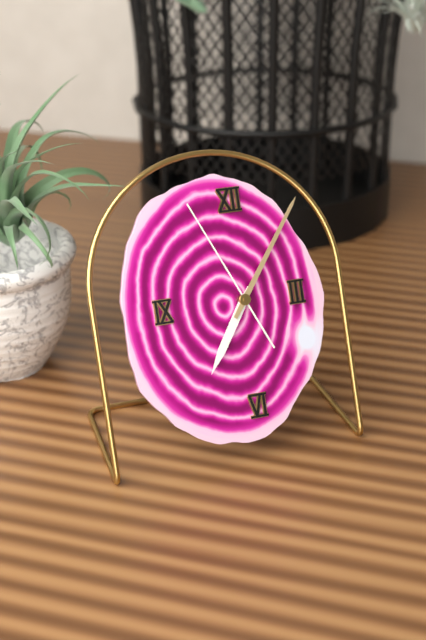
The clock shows h=7 m=6 s=56
